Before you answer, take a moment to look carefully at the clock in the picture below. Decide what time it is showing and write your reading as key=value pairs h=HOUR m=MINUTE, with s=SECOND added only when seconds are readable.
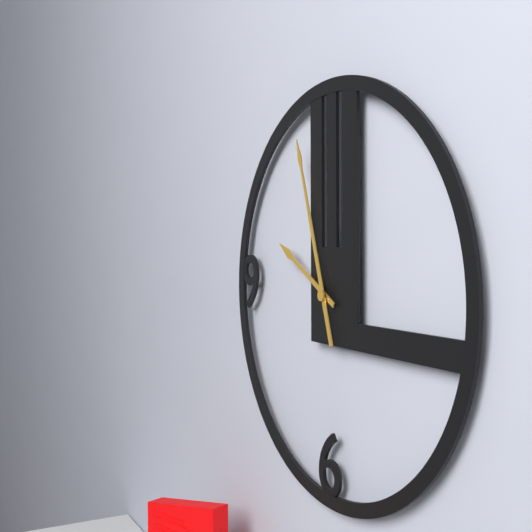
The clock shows h=9 m=57
